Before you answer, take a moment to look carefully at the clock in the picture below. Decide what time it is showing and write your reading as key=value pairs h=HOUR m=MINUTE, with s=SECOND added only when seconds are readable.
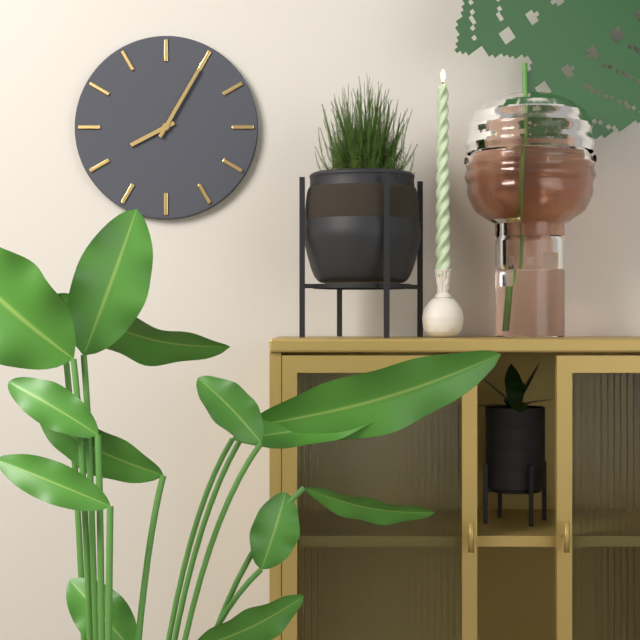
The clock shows h=8 m=5
